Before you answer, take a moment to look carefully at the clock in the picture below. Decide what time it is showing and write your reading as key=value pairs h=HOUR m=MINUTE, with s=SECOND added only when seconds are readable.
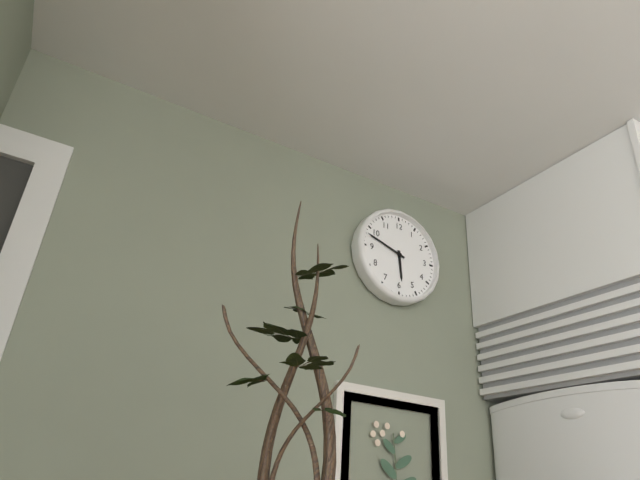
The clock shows h=5 m=48
